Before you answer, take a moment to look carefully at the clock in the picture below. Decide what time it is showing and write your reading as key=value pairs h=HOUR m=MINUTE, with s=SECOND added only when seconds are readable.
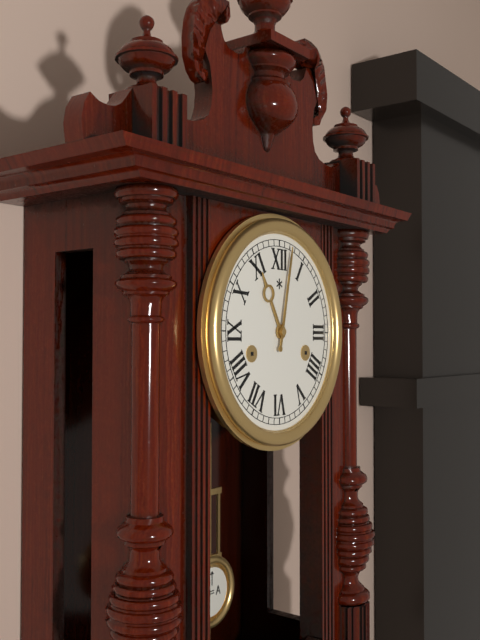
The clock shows h=11 m=2
